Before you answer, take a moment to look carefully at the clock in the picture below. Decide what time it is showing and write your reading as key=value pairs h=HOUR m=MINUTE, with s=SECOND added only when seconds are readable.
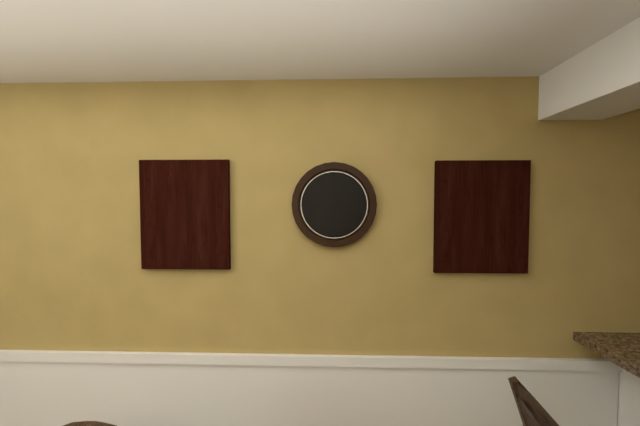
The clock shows h=1 m=23
